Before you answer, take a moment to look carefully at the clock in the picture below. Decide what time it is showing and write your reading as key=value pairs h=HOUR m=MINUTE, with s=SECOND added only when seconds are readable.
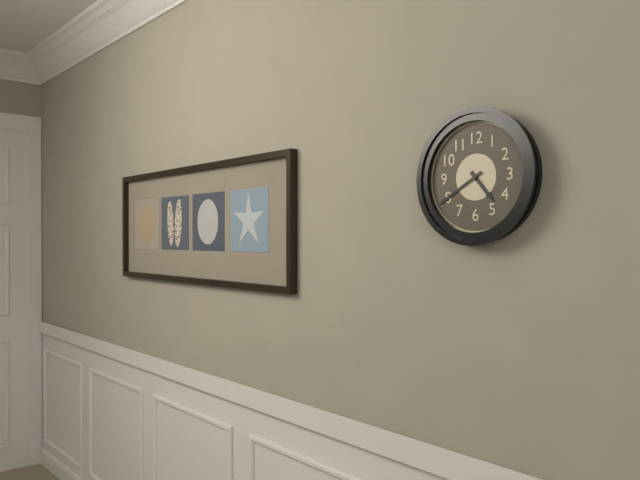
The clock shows h=4 m=40
